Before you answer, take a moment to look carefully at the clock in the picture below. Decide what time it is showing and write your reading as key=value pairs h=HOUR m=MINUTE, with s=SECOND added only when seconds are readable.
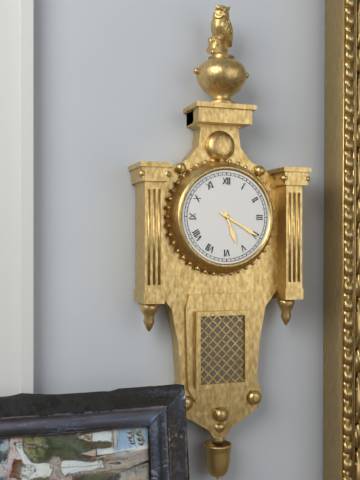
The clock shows h=5 m=20
